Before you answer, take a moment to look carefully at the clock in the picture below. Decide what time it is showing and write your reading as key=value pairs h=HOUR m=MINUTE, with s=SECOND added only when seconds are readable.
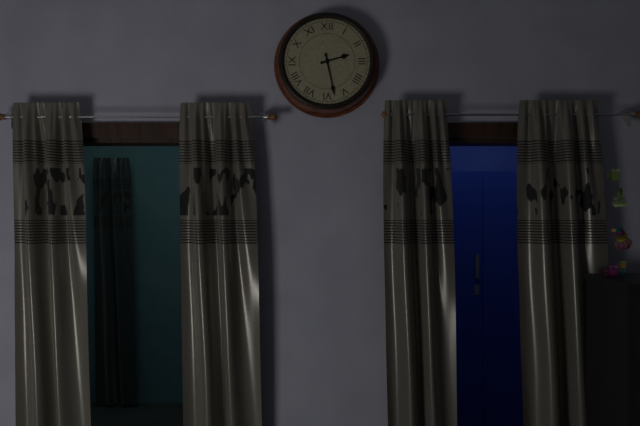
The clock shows h=2 m=28
